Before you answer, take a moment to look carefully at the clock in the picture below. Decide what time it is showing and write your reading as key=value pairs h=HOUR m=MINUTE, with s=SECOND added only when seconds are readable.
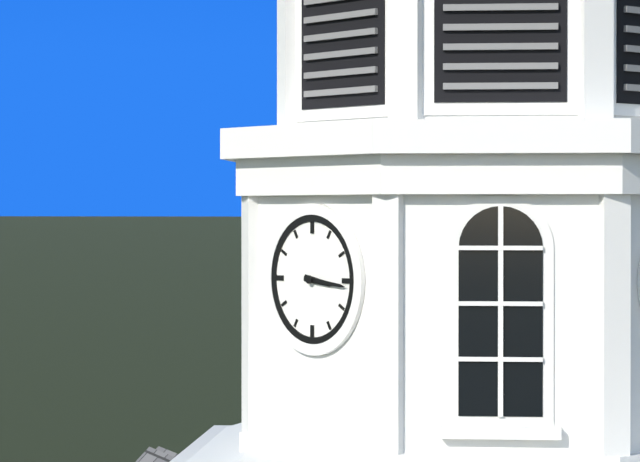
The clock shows h=3 m=16
